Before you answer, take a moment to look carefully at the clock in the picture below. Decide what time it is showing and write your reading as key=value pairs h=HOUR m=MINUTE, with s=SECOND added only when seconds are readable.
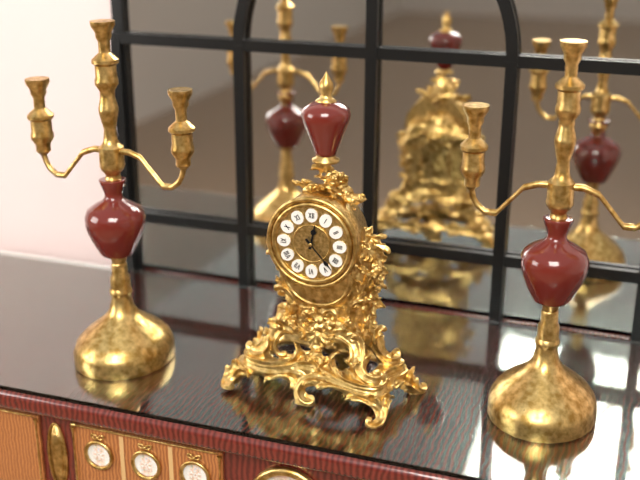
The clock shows h=12 m=23
